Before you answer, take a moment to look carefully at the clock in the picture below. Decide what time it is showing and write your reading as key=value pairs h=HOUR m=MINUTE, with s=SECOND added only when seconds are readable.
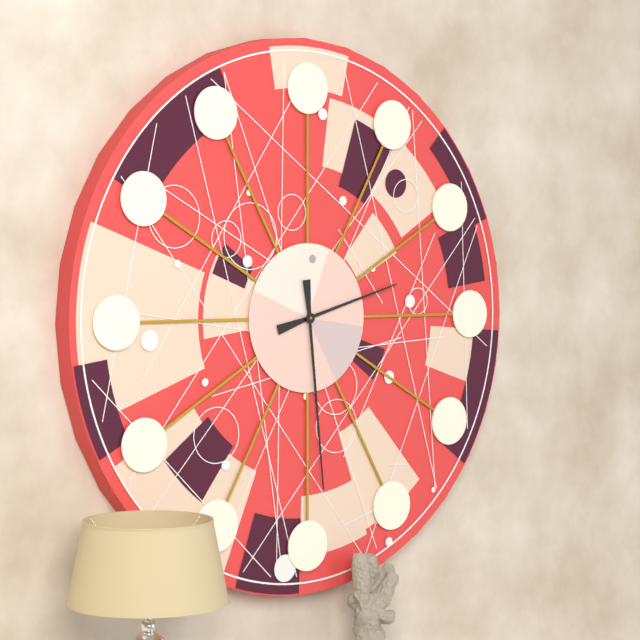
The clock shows h=2 m=29
